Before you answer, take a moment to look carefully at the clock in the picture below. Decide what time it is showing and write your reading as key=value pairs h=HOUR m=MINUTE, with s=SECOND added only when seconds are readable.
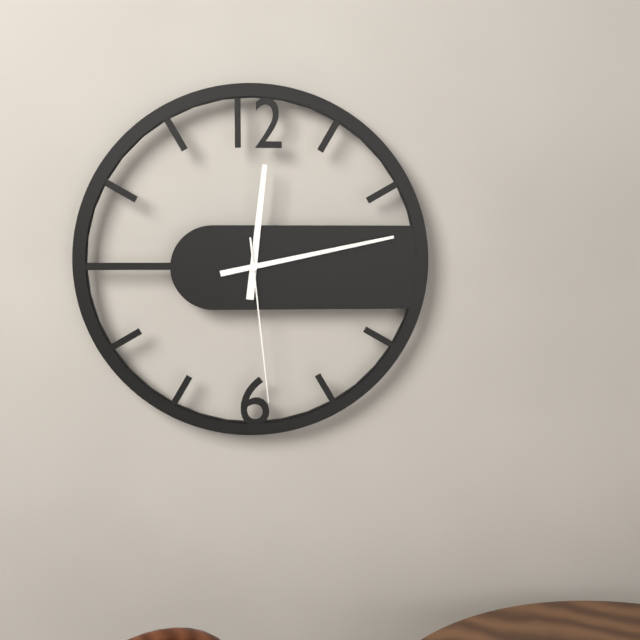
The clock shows h=12 m=13 s=29
